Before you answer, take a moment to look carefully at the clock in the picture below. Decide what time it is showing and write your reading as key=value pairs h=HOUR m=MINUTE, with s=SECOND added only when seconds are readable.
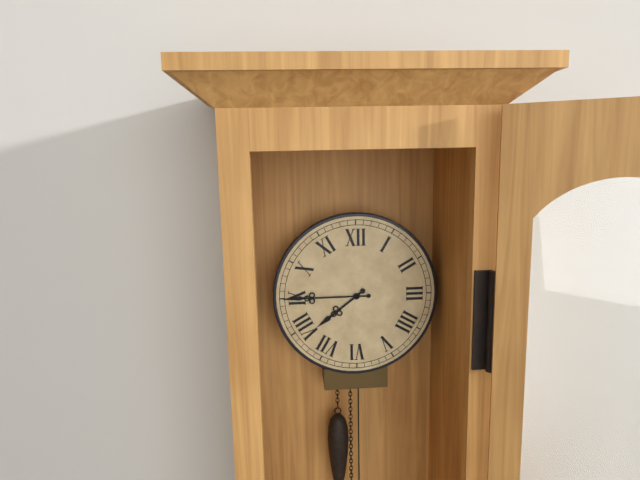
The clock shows h=7 m=45
